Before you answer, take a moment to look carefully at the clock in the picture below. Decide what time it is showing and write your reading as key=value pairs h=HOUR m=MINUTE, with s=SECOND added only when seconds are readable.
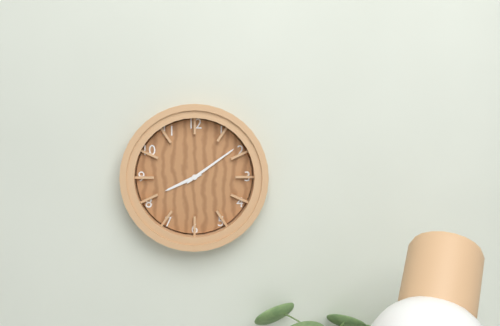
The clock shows h=8 m=9
